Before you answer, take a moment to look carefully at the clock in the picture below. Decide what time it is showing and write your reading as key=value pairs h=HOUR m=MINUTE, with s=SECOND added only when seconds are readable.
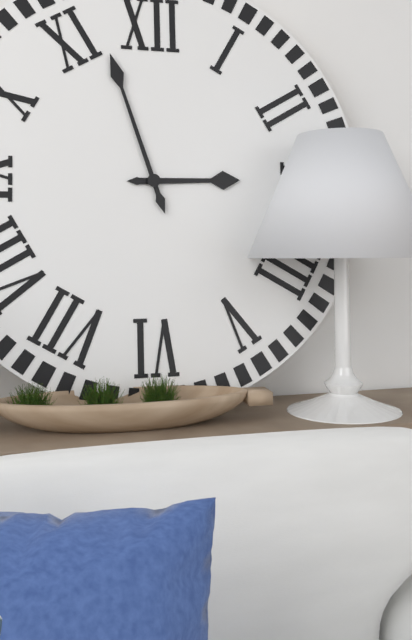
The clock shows h=2 m=57
